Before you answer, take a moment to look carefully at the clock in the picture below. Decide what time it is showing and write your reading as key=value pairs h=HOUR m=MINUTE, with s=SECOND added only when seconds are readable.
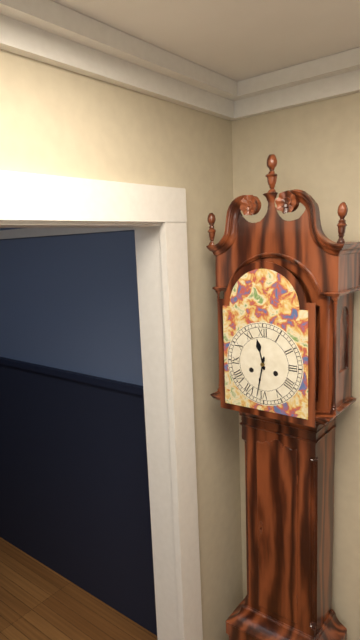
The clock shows h=11 m=32
